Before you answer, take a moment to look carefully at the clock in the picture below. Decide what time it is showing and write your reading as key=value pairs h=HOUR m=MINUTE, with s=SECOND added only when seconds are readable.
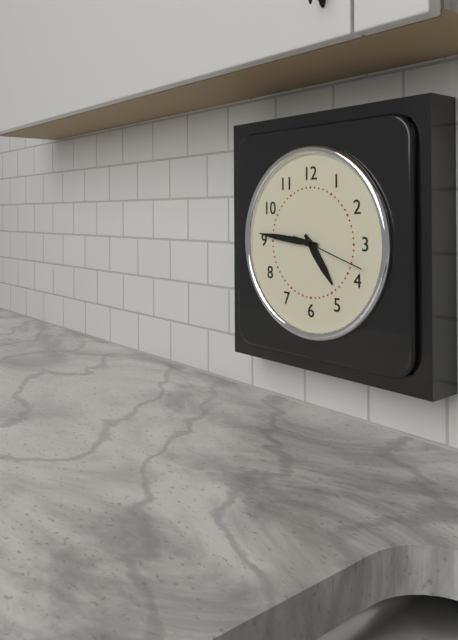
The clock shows h=4 m=46 s=18
